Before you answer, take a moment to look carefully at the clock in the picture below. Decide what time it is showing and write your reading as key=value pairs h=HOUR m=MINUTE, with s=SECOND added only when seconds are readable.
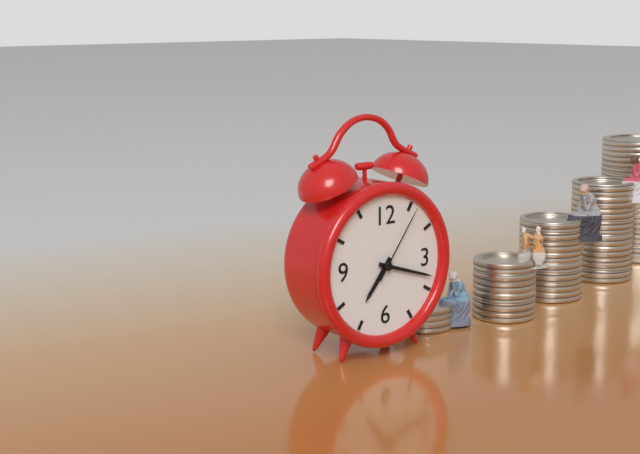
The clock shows h=7 m=18 s=6
